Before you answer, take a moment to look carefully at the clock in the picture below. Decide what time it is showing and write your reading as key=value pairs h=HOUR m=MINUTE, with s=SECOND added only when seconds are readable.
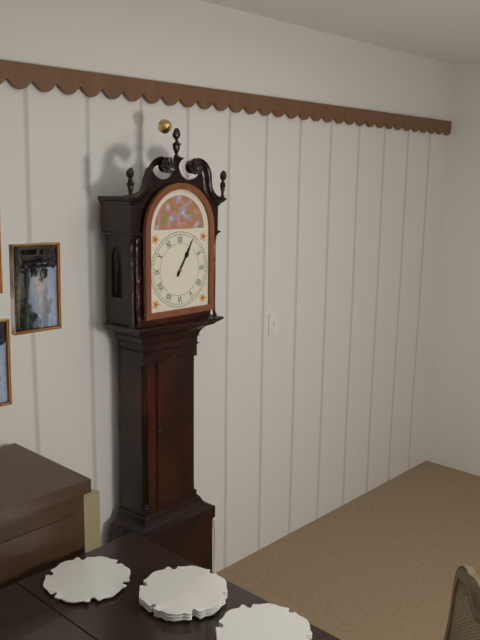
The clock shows h=1 m=5
